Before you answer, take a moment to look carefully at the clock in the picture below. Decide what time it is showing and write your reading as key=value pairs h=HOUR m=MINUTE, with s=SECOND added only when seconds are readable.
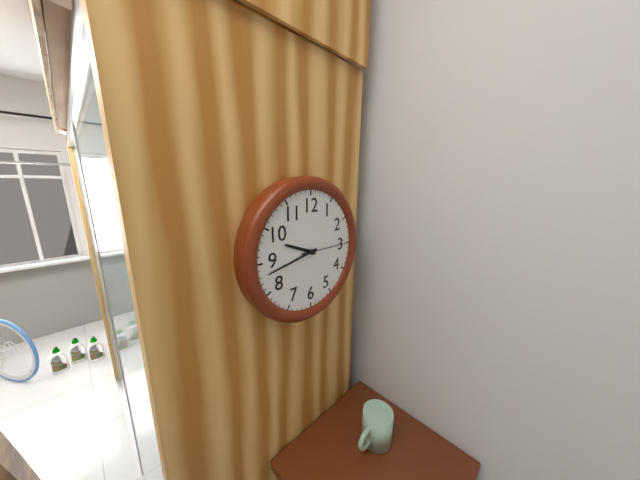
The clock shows h=9 m=43
